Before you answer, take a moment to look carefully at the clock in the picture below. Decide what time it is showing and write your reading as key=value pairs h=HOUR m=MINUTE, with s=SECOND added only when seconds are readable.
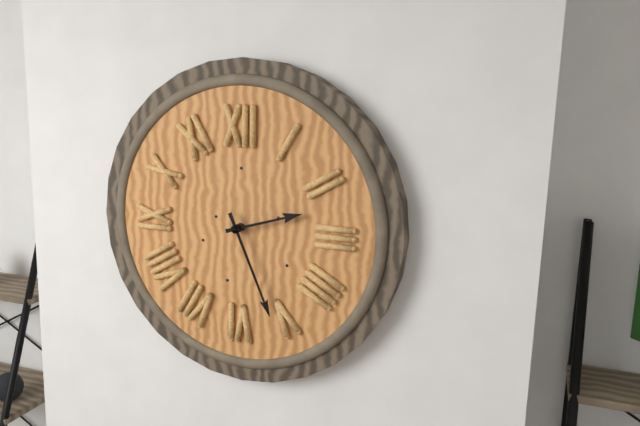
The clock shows h=2 m=26
